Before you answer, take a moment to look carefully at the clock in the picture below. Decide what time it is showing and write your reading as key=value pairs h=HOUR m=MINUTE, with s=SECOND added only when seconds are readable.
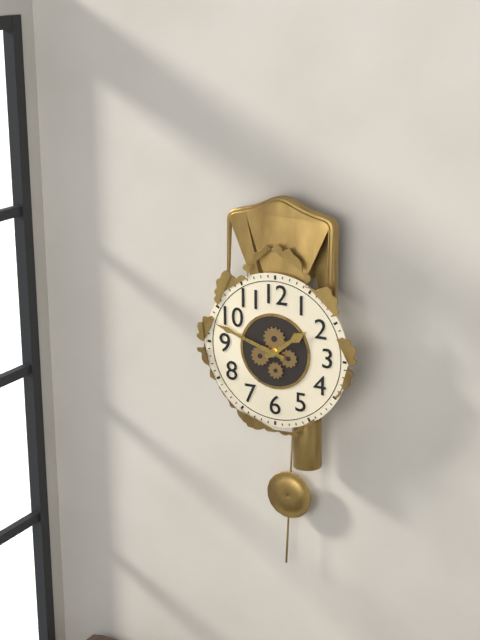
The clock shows h=1 m=48
